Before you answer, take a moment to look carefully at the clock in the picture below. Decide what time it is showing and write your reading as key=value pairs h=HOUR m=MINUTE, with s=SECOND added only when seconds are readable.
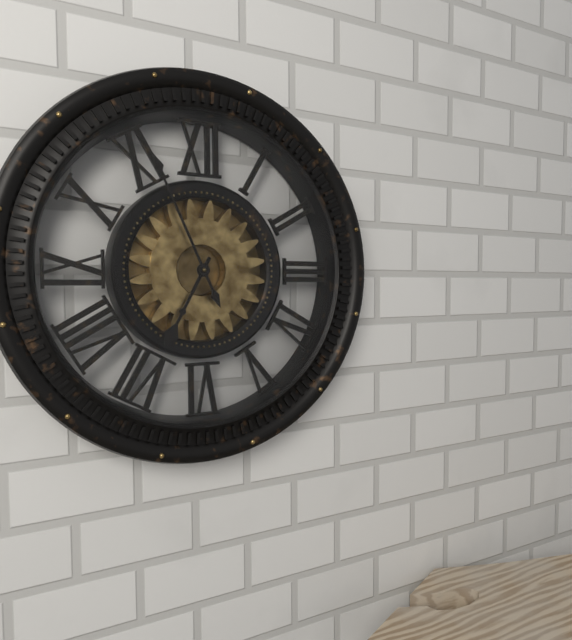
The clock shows h=6 m=56
